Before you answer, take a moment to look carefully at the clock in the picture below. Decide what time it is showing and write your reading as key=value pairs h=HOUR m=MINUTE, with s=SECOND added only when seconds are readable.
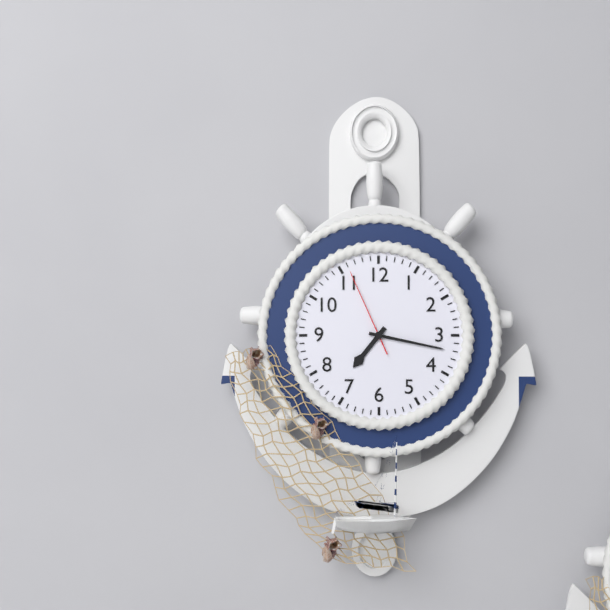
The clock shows h=7 m=17 s=56
